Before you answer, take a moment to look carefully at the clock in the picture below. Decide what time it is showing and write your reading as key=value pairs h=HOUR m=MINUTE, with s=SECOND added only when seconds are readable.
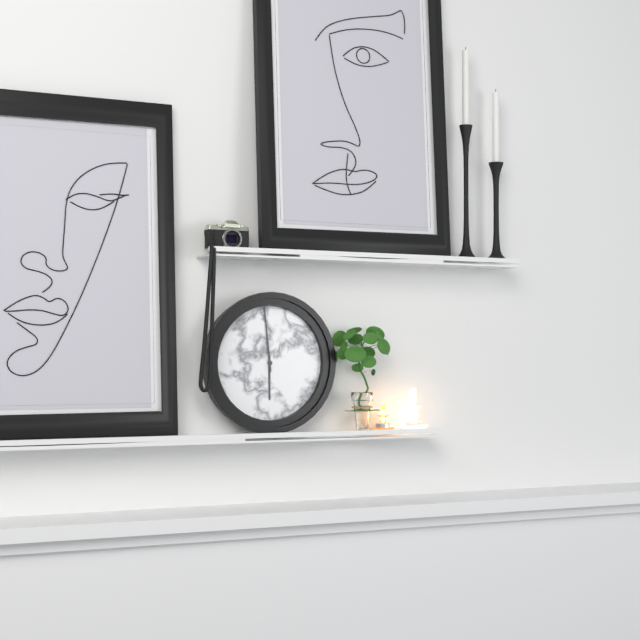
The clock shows h=5 m=59
